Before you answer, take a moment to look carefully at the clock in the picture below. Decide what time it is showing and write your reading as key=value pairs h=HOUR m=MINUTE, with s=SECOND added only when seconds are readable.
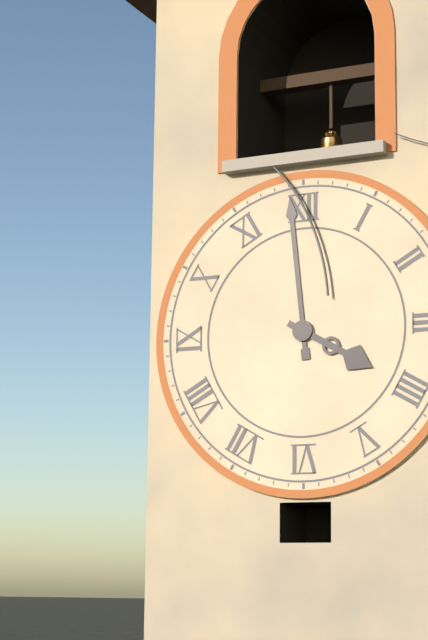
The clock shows h=3 m=59
